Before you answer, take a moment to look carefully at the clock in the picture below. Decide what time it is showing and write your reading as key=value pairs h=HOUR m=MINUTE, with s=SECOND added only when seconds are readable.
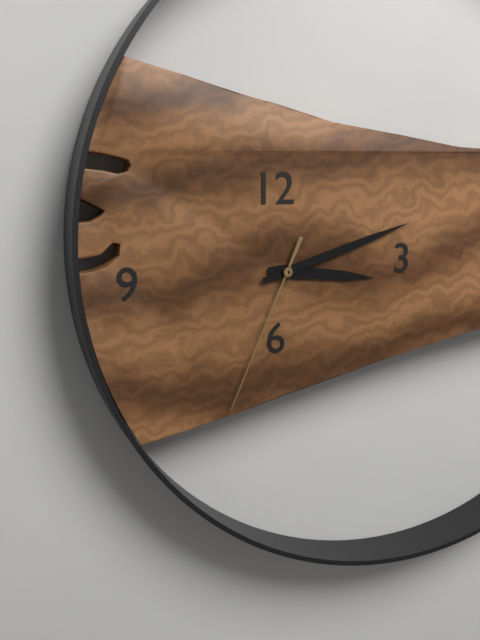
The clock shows h=3 m=12 s=34
